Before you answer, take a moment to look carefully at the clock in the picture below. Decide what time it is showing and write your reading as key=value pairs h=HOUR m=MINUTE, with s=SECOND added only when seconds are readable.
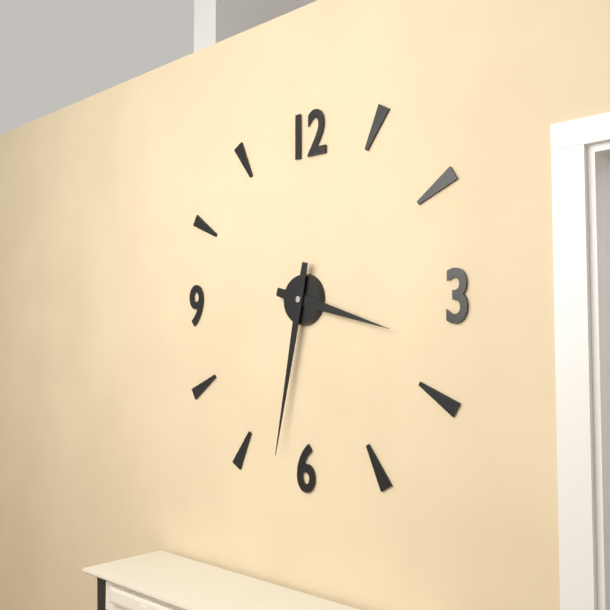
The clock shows h=3 m=32
